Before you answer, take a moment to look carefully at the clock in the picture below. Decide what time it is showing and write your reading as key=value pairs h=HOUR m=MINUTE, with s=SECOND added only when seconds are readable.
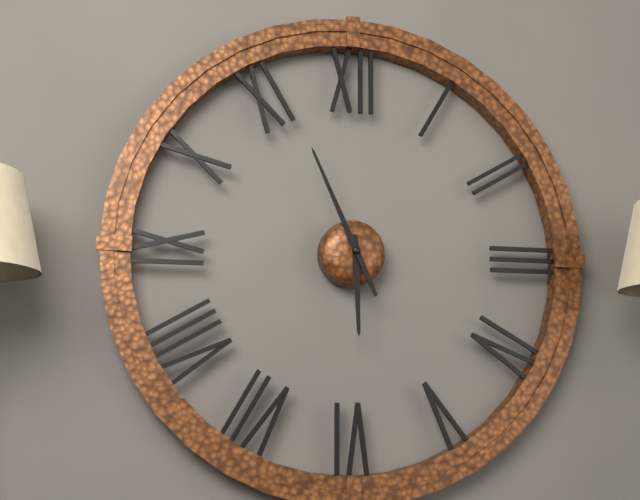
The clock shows h=5 m=56
